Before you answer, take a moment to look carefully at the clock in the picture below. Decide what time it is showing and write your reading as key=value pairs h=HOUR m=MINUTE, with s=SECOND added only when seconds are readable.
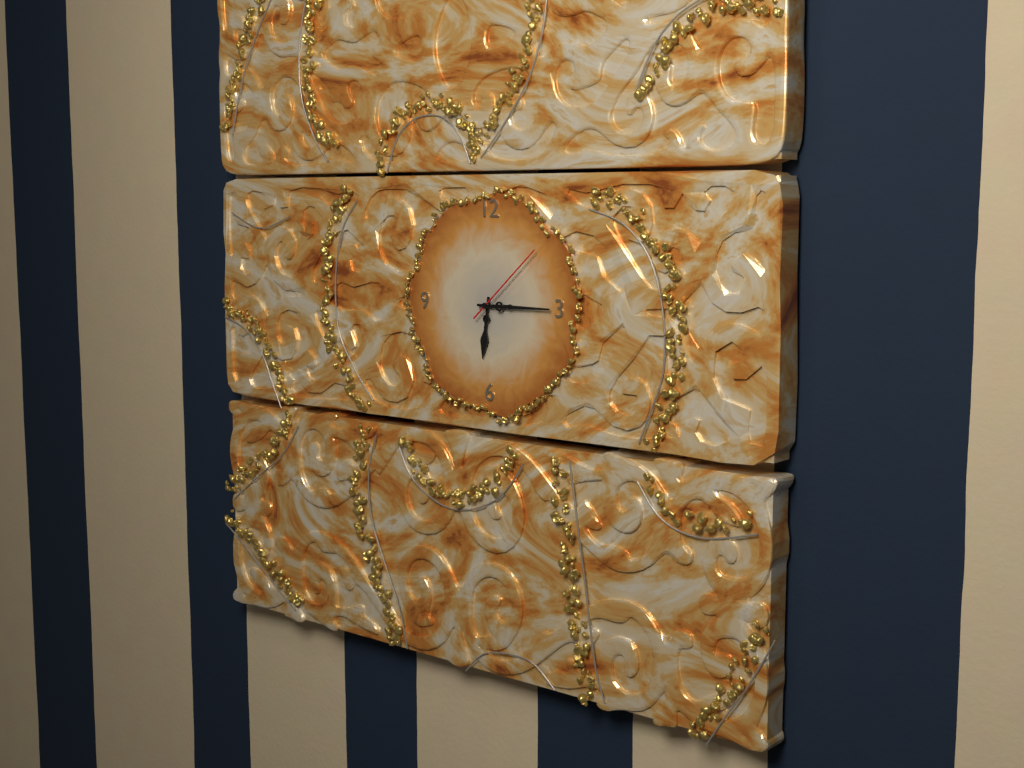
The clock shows h=6 m=15 s=8
